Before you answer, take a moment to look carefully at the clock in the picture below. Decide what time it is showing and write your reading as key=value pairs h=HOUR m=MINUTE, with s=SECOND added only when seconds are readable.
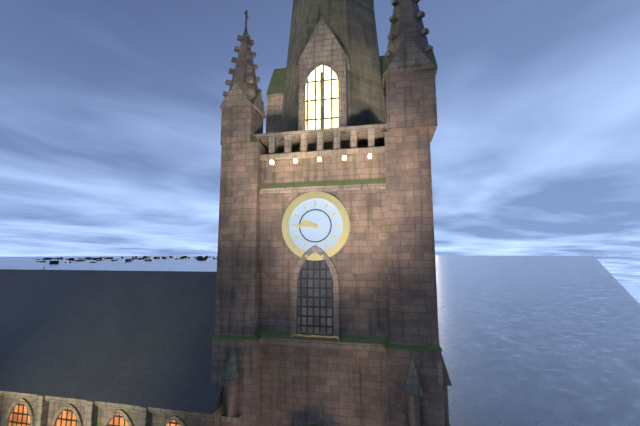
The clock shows h=9 m=45
